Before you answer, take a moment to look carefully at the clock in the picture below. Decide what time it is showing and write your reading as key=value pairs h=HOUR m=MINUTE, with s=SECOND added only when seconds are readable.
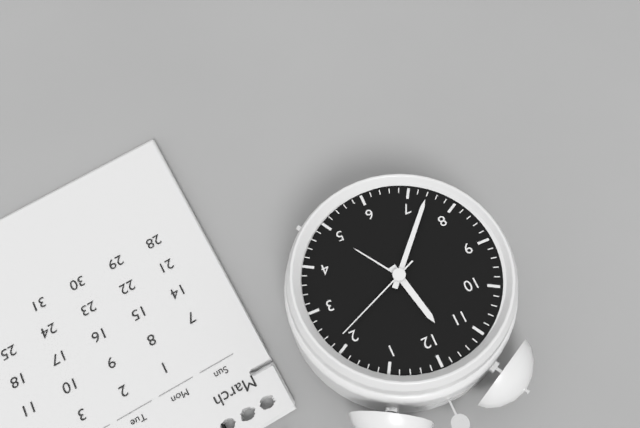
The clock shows h=11 m=37 s=11
